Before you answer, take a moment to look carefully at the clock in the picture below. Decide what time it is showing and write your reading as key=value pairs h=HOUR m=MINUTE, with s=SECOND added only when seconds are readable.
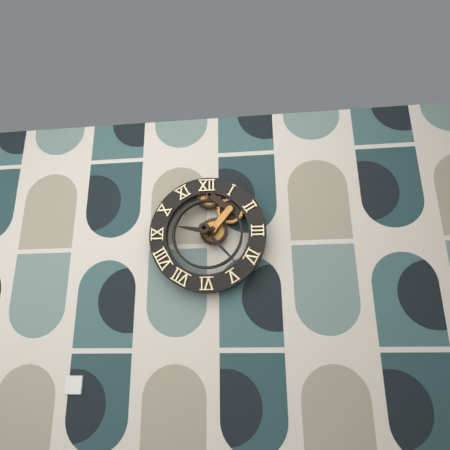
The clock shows h=9 m=23
